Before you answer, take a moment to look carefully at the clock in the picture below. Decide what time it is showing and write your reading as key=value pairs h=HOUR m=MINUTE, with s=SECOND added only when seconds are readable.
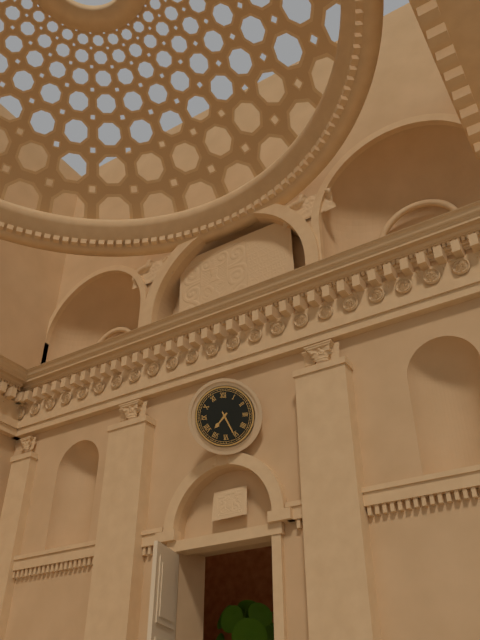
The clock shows h=7 m=26
